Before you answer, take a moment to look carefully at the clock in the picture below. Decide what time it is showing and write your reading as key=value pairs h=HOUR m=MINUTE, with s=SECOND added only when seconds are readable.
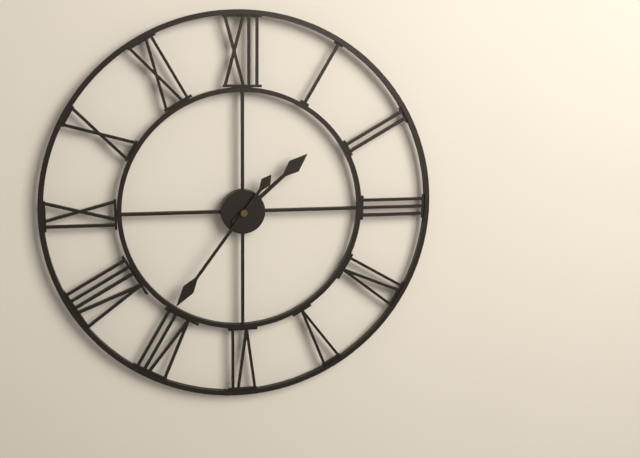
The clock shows h=1 m=36
